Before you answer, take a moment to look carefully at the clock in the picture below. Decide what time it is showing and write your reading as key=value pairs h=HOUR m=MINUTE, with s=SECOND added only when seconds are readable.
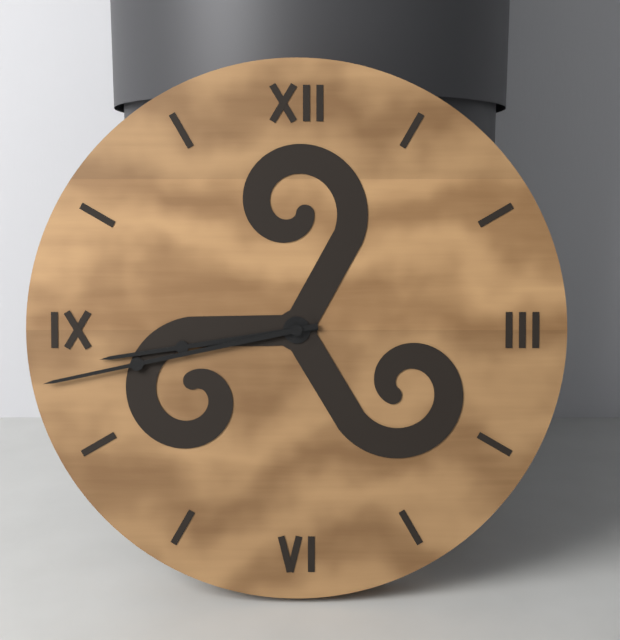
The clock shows h=8 m=43
